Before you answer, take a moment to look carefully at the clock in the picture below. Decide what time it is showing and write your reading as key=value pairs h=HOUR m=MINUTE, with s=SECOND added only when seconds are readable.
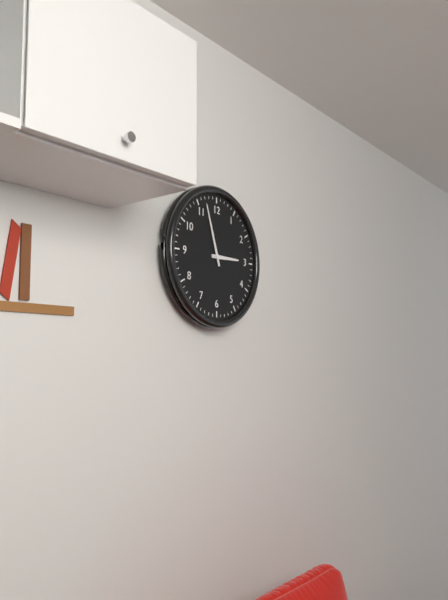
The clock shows h=2 m=57
